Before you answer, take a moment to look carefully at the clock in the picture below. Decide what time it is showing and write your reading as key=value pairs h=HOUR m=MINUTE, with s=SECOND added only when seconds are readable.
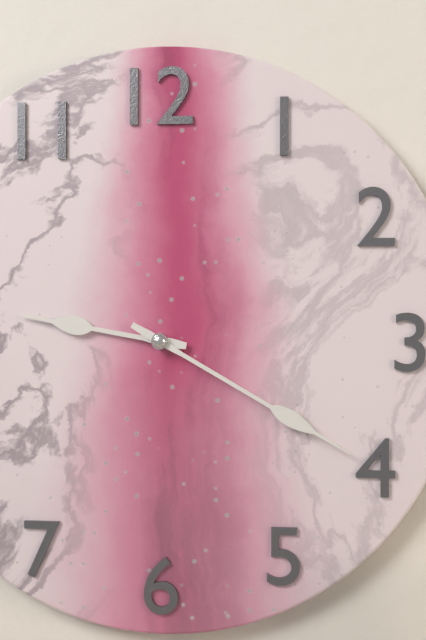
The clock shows h=9 m=20
